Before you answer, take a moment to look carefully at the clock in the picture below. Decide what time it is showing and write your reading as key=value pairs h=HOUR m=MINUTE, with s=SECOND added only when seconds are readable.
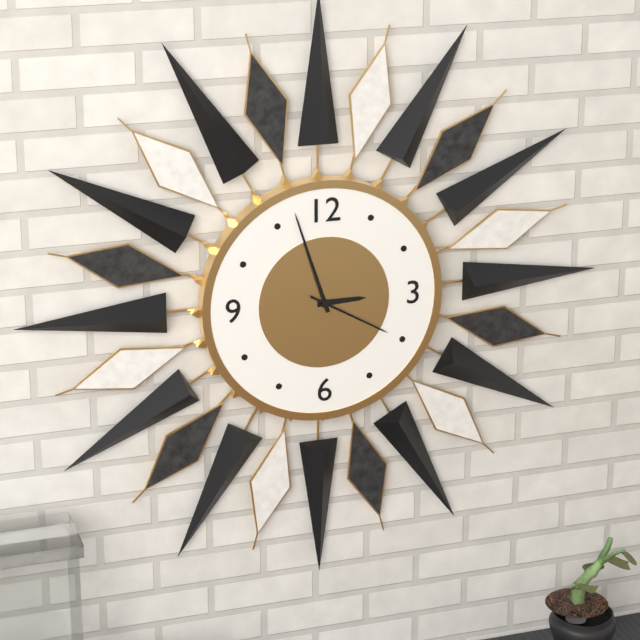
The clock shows h=2 m=57 s=20
